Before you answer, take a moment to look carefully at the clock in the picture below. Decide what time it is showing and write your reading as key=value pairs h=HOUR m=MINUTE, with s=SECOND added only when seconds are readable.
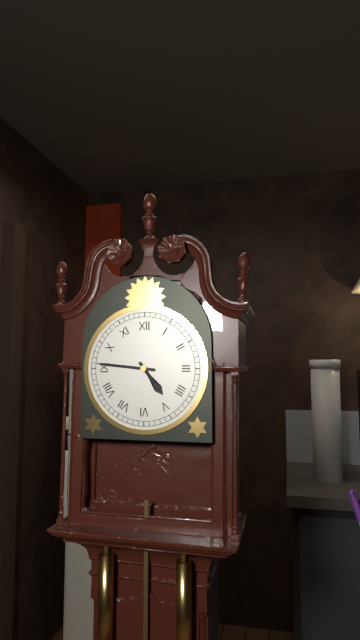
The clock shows h=4 m=46
